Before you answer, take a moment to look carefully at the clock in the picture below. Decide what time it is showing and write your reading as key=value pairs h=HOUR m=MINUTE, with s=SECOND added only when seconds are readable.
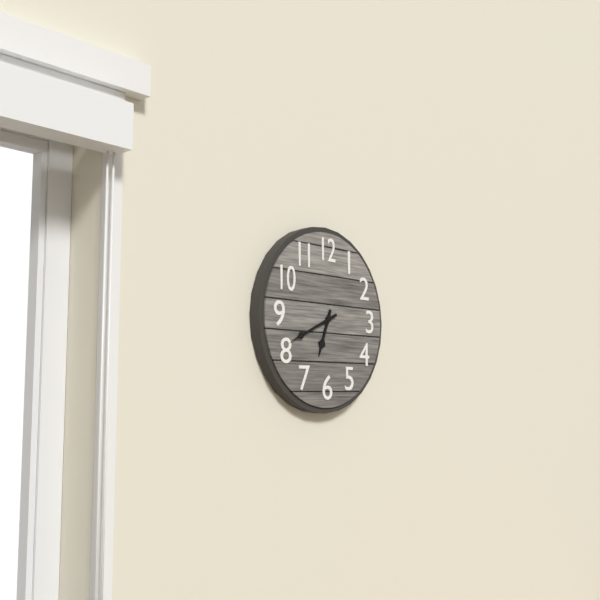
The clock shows h=6 m=41
